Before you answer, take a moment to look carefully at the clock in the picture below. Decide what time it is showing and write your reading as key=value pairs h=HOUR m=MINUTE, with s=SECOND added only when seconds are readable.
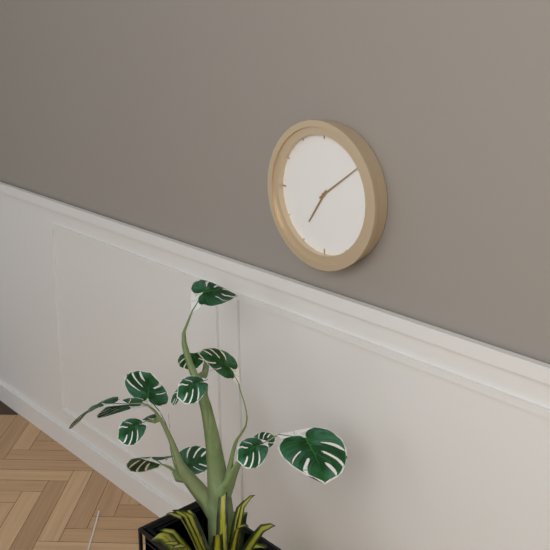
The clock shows h=7 m=9
